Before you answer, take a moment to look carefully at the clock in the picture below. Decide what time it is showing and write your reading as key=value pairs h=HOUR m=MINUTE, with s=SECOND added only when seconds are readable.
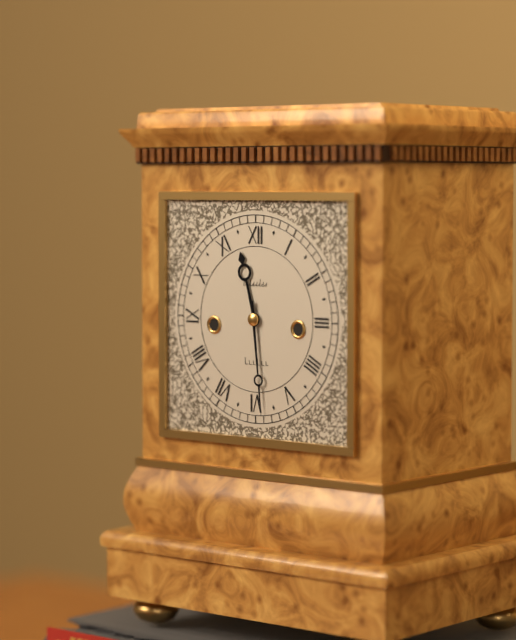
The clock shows h=11 m=29
